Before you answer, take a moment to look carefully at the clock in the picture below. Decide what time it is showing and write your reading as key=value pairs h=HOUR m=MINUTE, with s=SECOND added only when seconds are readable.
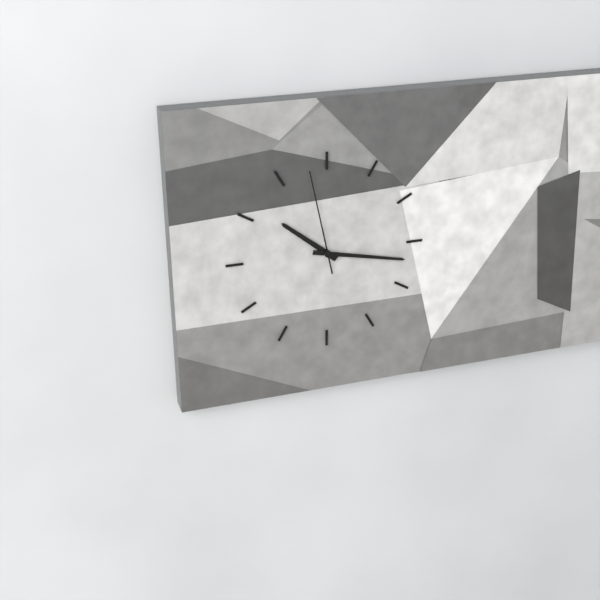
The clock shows h=10 m=17 s=58
